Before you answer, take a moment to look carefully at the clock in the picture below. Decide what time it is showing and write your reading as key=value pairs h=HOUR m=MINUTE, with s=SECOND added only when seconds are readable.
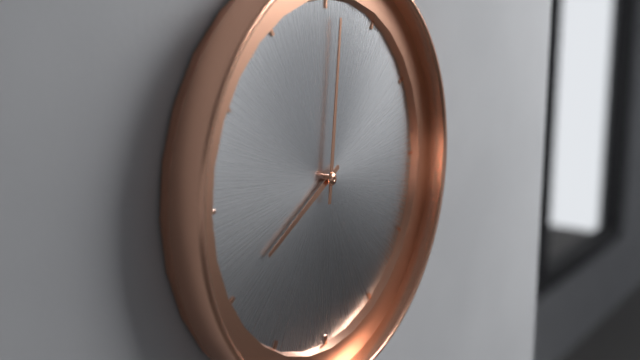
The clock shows h=8 m=1
